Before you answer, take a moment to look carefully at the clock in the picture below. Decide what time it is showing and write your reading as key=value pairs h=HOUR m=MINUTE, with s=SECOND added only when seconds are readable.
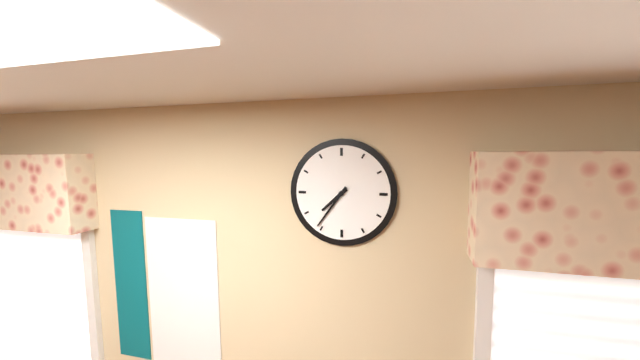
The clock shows h=7 m=36
